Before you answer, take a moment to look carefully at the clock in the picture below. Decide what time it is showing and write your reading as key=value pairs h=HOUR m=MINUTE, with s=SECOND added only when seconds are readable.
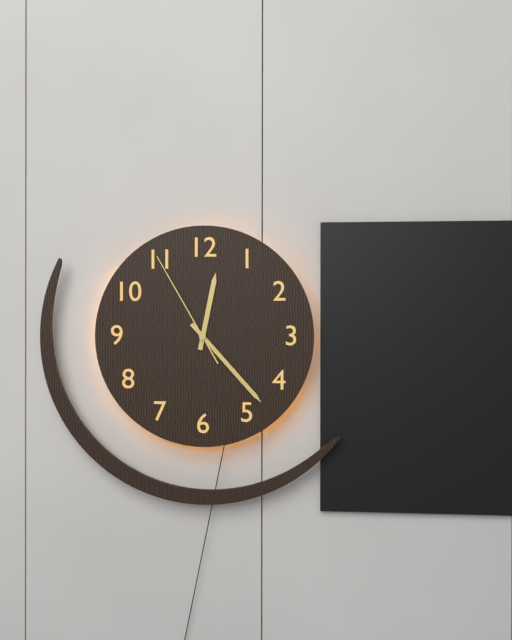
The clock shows h=12 m=23 s=55
